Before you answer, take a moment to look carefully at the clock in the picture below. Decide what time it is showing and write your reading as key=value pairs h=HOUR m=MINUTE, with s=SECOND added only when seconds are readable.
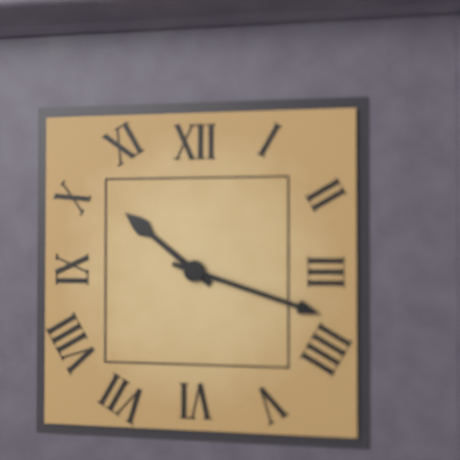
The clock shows h=10 m=18
